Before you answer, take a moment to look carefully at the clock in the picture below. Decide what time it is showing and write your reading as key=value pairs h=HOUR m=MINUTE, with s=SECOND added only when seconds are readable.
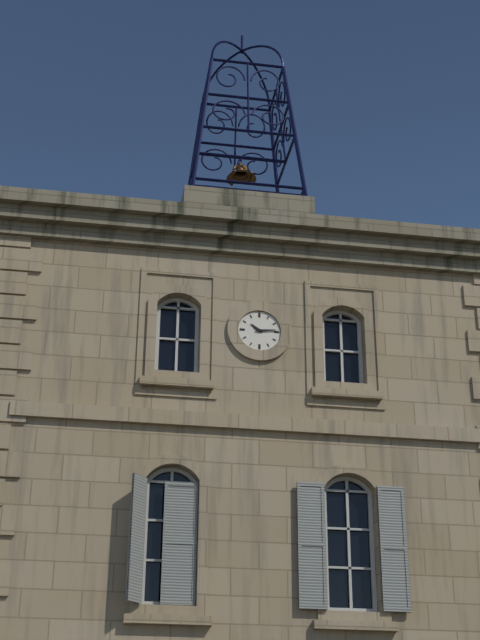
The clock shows h=10 m=14
